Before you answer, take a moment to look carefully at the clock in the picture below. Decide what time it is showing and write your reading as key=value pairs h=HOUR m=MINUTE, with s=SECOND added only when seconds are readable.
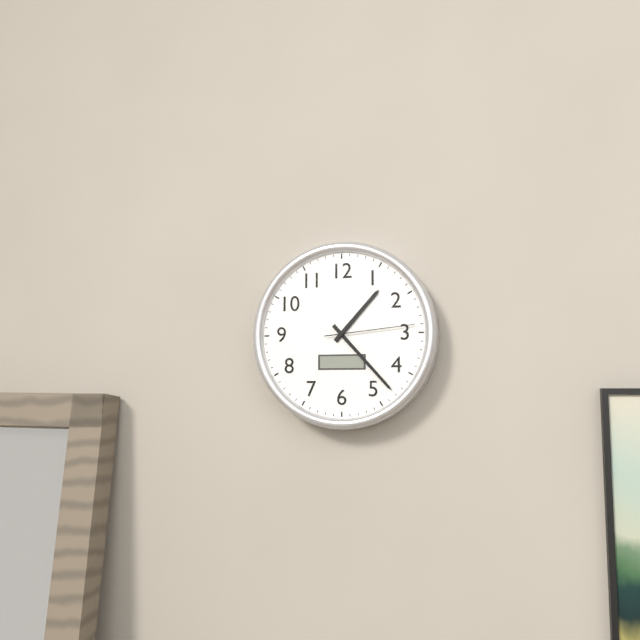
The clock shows h=1 m=23 s=14
